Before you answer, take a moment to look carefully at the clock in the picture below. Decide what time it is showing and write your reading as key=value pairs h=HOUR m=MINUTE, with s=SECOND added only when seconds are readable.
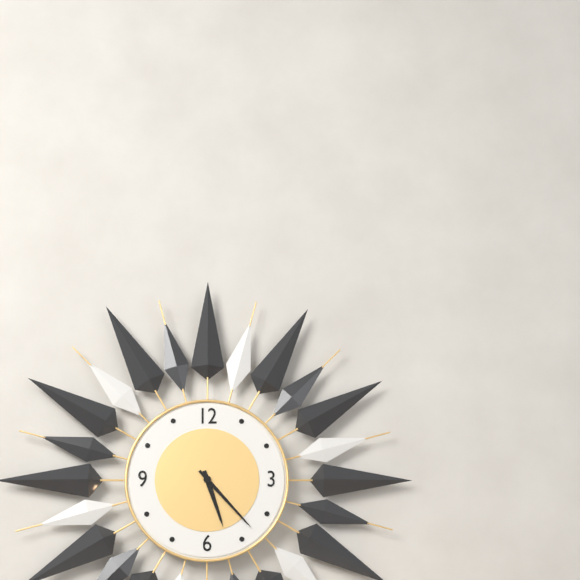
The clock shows h=5 m=23
